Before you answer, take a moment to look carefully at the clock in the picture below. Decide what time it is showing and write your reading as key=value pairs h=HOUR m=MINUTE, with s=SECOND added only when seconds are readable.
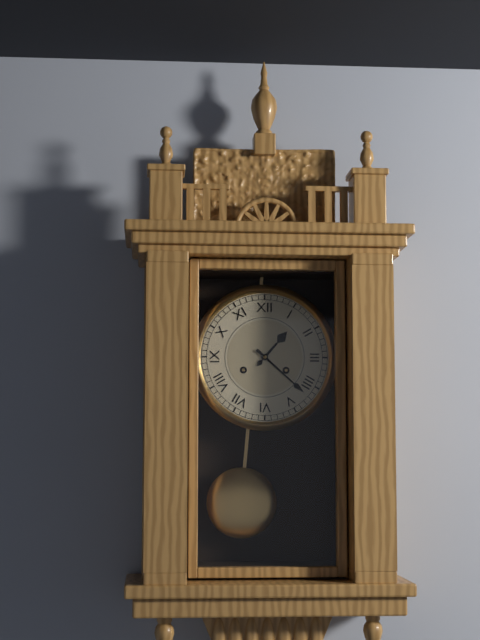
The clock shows h=1 m=22
